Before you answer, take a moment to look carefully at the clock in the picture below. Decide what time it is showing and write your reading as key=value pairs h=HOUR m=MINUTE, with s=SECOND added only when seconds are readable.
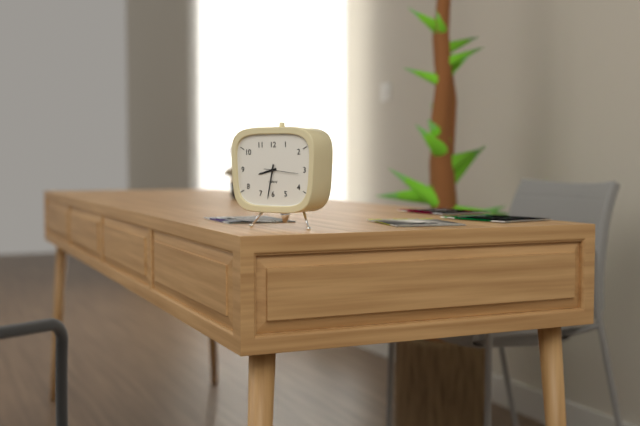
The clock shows h=8 m=32
